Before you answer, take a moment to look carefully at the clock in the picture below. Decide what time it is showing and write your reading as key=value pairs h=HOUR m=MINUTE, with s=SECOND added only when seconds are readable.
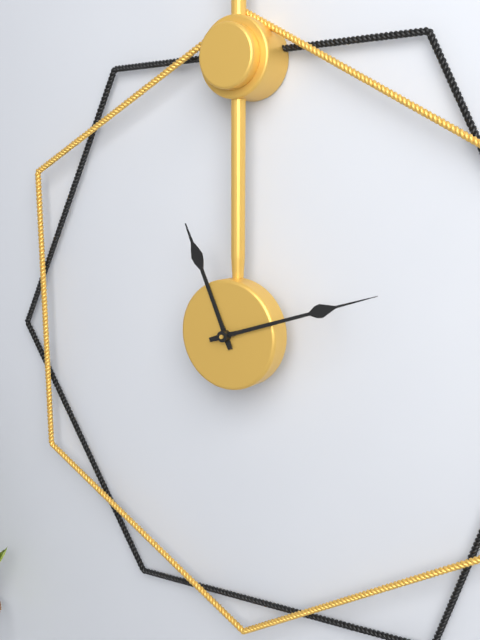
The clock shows h=11 m=12
